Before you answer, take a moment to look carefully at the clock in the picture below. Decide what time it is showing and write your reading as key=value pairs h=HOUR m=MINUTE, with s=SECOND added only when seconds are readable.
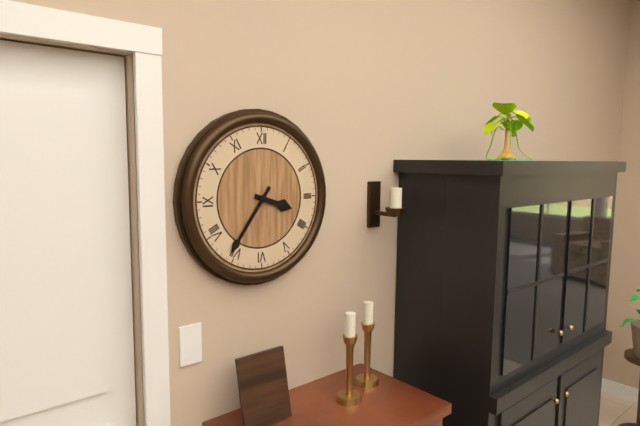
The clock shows h=3 m=36
